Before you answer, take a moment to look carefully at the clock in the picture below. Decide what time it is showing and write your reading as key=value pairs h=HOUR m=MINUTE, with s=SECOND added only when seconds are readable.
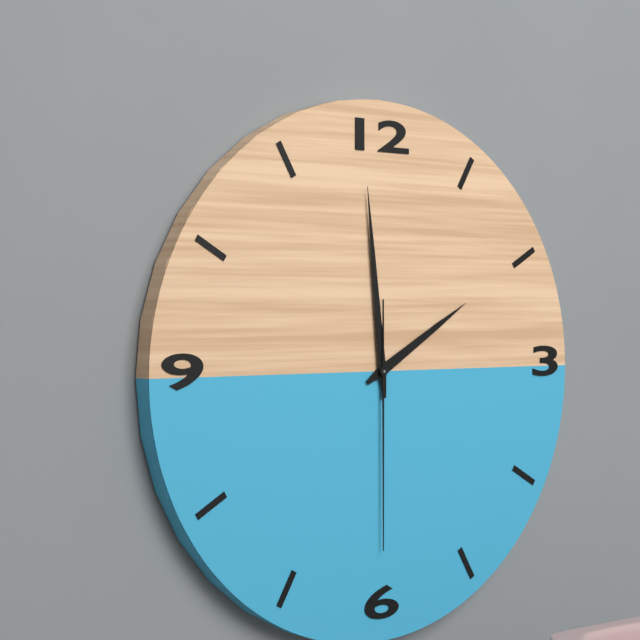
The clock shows h=1 m=59 s=30
